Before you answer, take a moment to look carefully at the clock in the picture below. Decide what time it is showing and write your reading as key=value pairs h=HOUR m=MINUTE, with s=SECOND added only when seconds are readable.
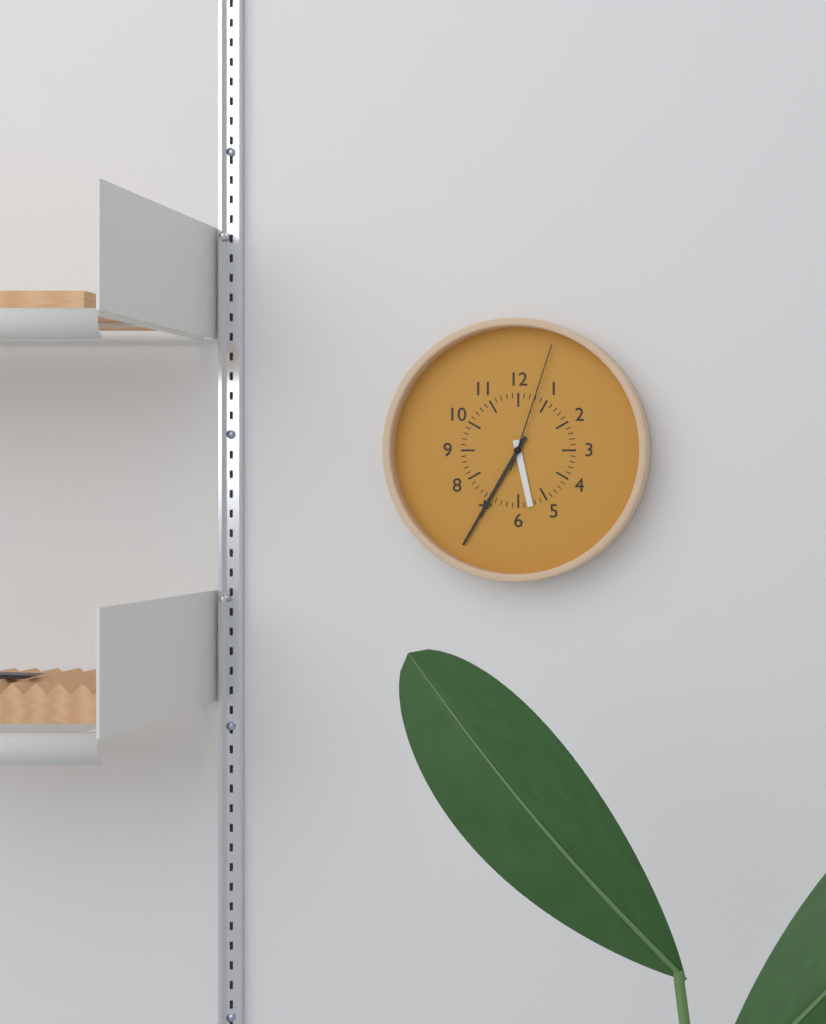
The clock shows h=5 m=35 s=3
